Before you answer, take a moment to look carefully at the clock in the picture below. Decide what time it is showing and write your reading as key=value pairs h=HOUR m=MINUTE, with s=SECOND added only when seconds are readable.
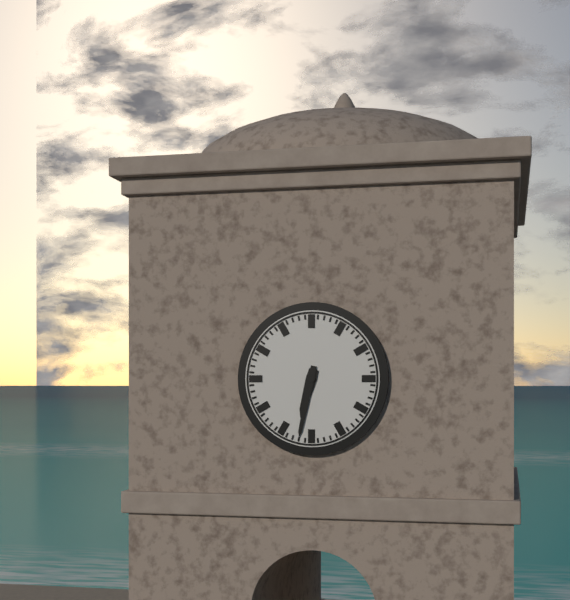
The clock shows h=6 m=32
